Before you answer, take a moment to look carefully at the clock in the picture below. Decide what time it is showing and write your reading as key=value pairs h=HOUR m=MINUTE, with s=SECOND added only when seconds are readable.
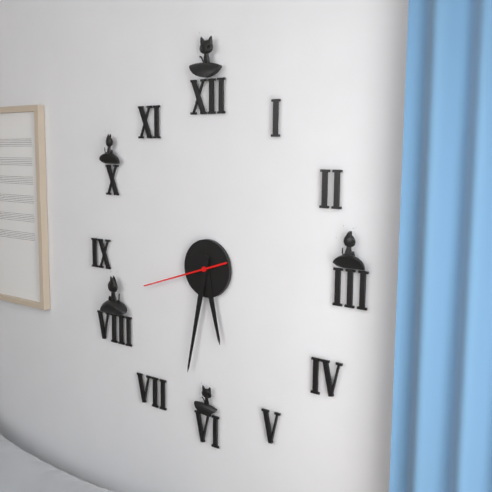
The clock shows h=5 m=32 s=42
